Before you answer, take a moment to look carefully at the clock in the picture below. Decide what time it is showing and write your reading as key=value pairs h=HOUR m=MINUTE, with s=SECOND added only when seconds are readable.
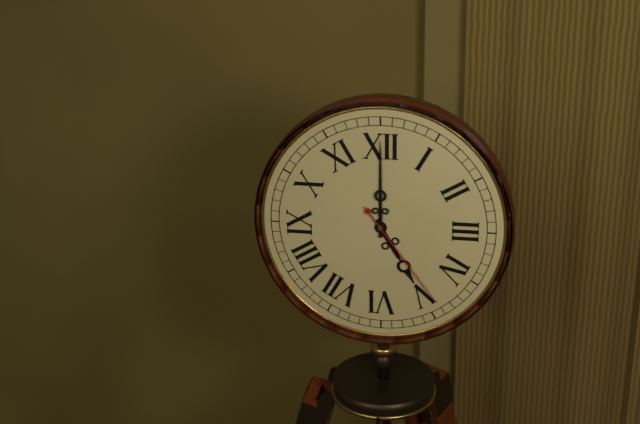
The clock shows h=5 m=0 s=24
